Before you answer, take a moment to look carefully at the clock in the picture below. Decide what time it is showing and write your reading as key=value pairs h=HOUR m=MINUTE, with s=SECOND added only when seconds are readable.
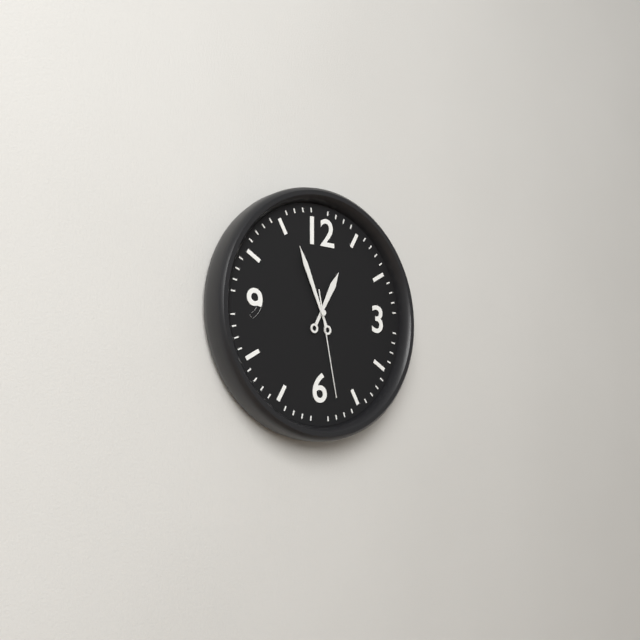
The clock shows h=12 m=56 s=28
